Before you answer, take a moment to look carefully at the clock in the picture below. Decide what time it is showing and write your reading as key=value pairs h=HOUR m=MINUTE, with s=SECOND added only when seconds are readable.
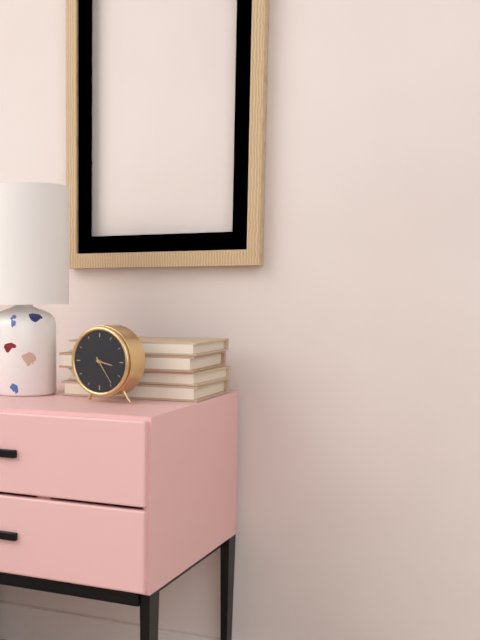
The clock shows h=3 m=24
